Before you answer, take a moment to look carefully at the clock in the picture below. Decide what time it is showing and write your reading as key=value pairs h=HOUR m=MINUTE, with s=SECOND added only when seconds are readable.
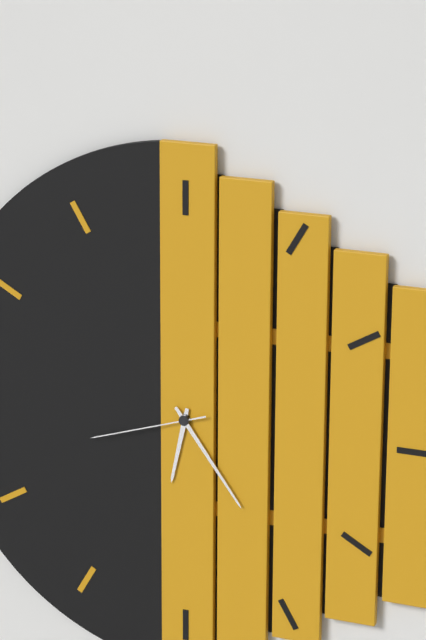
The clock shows h=6 m=24 s=42
